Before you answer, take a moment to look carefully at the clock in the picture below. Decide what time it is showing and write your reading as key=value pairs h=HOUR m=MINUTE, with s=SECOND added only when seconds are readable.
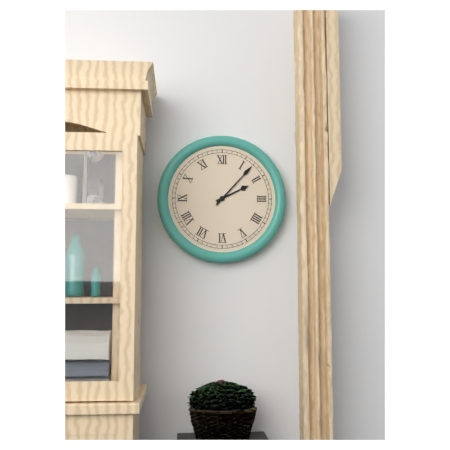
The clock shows h=2 m=7
